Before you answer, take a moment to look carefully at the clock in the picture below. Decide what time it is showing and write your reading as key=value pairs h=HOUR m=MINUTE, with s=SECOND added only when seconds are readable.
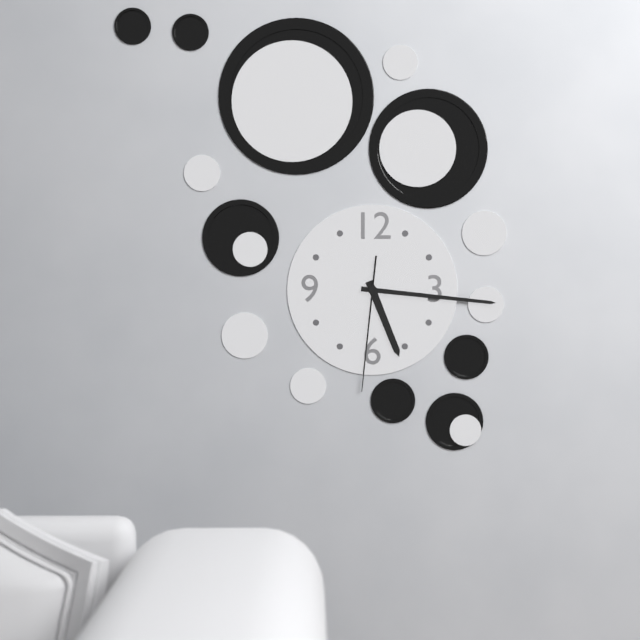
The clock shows h=5 m=16 s=31
